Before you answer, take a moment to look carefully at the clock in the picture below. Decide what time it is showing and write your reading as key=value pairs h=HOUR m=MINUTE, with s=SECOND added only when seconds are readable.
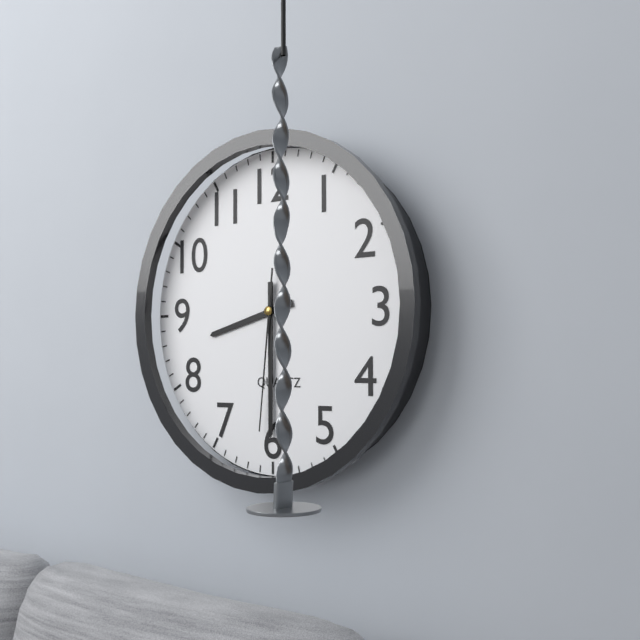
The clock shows h=8 m=30 s=31
